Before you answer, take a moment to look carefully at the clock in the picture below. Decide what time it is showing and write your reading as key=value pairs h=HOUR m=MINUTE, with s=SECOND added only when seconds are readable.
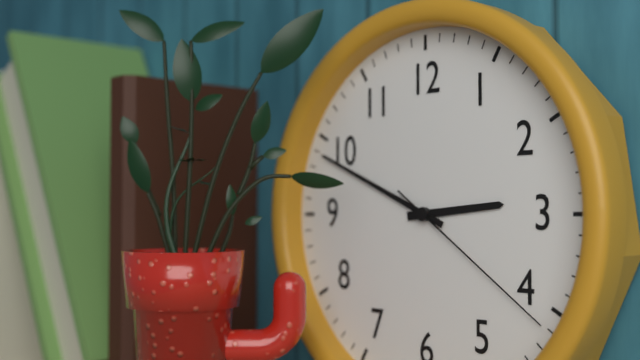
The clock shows h=2 m=49 s=21
